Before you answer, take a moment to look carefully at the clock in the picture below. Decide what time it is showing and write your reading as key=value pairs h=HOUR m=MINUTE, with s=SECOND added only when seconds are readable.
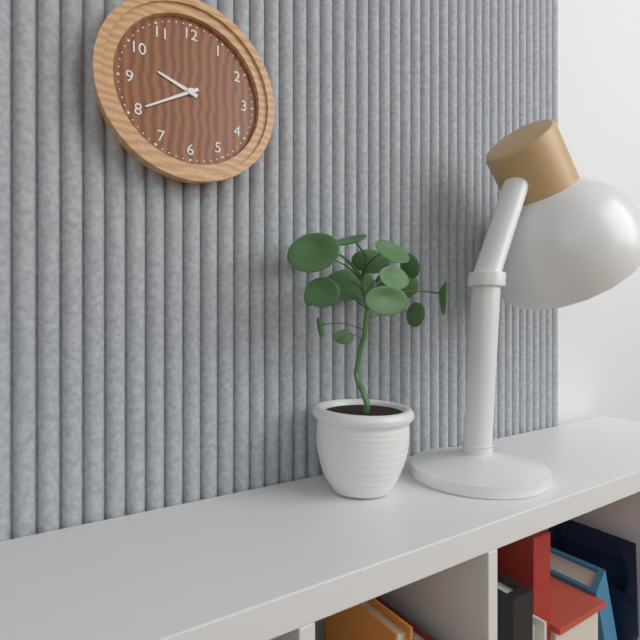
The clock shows h=9 m=40
